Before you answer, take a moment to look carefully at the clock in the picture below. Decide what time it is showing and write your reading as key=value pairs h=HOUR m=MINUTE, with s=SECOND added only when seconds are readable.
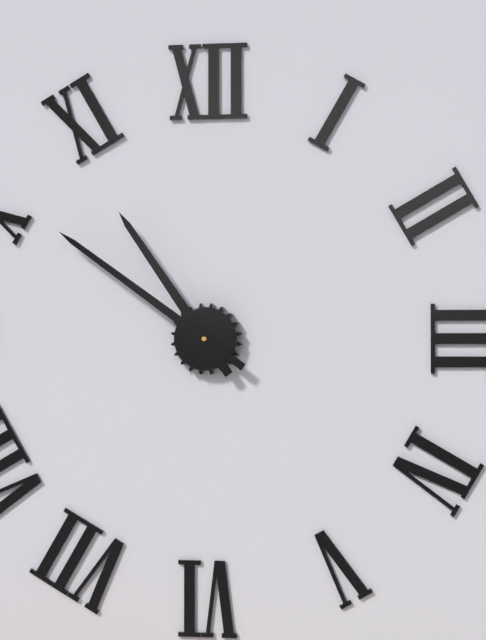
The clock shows h=10 m=51
